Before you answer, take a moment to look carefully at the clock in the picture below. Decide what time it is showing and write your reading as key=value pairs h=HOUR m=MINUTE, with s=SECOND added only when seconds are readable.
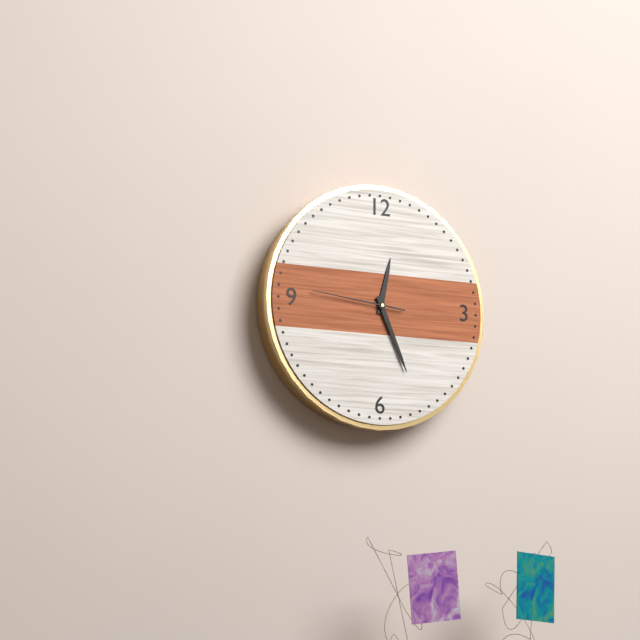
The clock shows h=12 m=26 s=46
